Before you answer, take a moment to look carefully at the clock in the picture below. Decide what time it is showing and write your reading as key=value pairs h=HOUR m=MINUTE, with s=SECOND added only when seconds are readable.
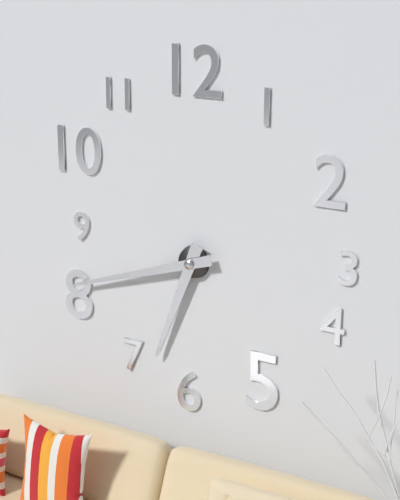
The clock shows h=6 m=42
